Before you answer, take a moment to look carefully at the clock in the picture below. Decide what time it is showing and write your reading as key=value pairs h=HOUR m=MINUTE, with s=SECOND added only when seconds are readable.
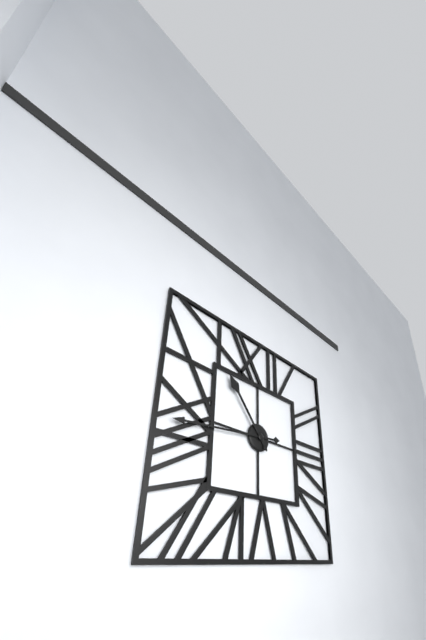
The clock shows h=10 m=44
